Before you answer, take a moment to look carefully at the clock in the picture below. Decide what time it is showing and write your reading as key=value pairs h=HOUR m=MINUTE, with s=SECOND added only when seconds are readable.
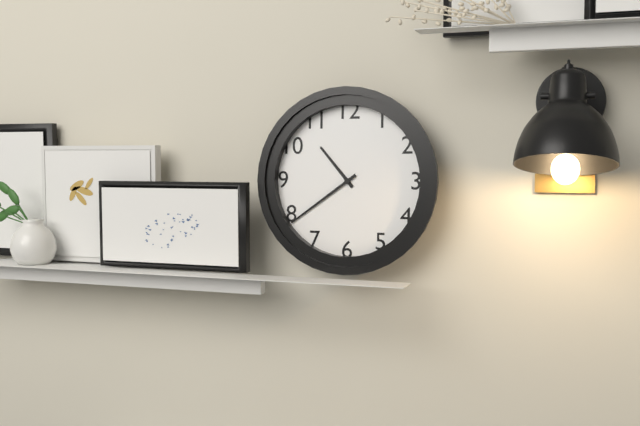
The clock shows h=10 m=39
